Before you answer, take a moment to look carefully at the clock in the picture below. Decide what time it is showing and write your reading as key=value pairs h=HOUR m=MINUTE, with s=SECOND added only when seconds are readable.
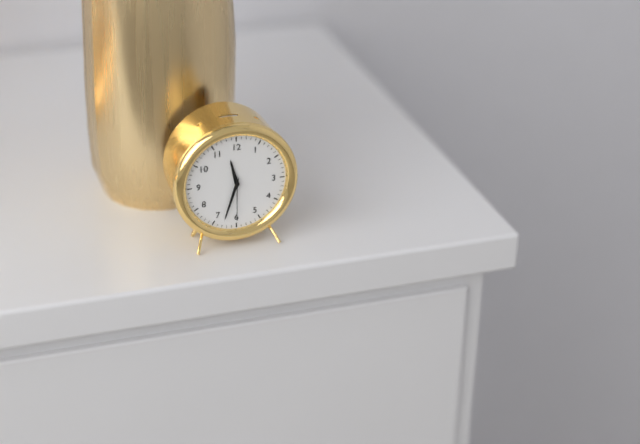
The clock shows h=11 m=33
